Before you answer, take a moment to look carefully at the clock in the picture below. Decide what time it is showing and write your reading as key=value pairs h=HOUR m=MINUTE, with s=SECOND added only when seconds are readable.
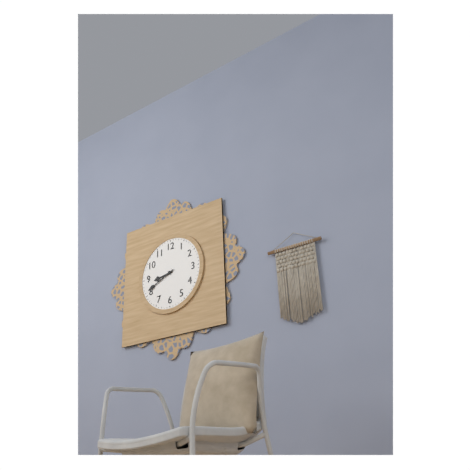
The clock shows h=8 m=41
